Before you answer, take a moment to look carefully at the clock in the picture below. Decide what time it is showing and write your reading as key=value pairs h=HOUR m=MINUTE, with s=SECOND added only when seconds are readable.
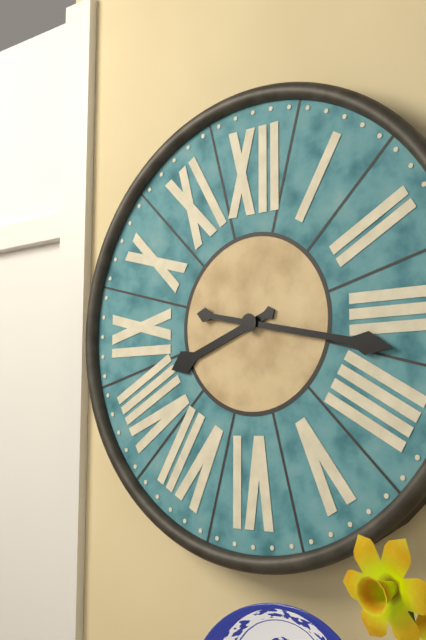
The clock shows h=8 m=17
